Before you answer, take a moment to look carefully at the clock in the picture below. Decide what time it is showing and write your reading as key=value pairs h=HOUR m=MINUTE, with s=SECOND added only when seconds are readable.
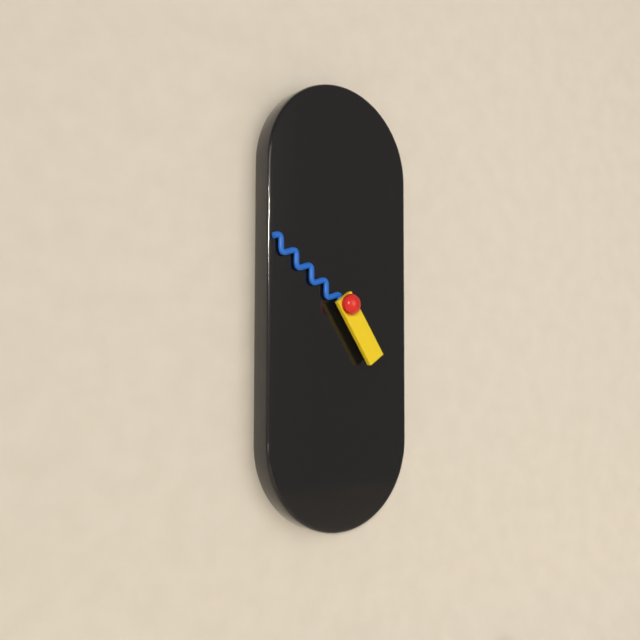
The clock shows h=4 m=51
